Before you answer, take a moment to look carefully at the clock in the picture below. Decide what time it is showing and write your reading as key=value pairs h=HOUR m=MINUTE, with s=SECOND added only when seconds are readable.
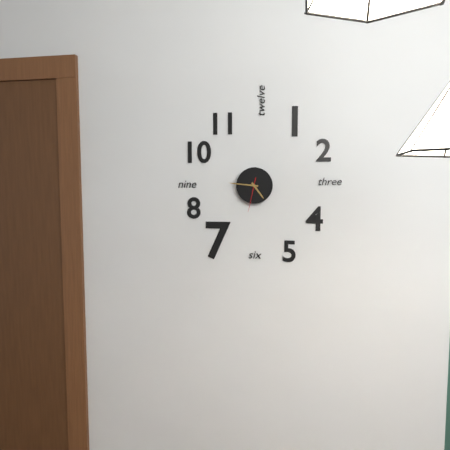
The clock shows h=4 m=46
